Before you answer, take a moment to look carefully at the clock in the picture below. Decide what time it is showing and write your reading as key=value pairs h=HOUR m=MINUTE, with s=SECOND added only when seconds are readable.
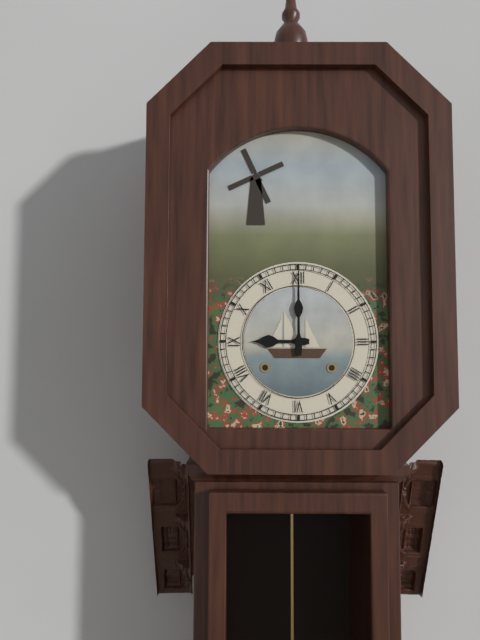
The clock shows h=9 m=0
